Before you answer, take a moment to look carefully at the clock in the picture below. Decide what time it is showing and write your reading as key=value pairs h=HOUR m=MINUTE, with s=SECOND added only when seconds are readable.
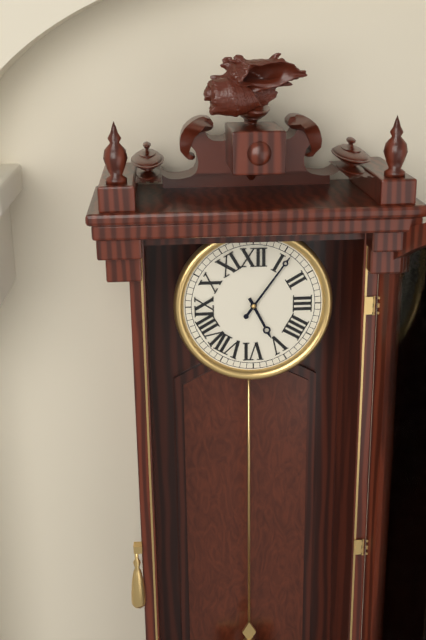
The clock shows h=5 m=6
